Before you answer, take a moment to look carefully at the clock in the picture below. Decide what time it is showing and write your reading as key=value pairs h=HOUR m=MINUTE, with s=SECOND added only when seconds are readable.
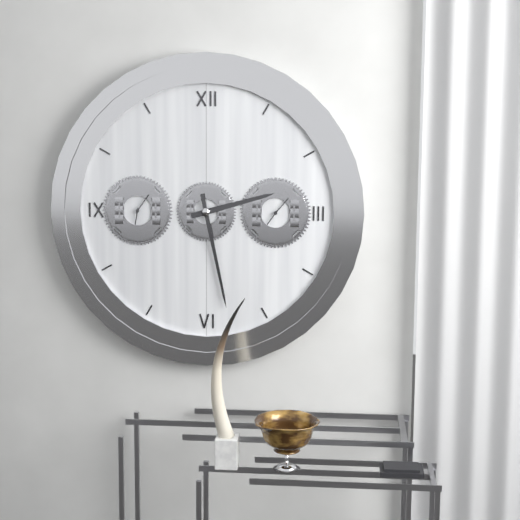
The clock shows h=2 m=28
